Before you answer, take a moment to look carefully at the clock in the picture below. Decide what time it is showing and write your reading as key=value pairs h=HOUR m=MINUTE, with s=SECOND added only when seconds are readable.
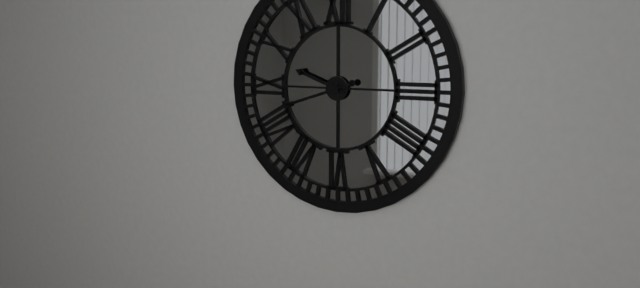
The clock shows h=9 m=42
